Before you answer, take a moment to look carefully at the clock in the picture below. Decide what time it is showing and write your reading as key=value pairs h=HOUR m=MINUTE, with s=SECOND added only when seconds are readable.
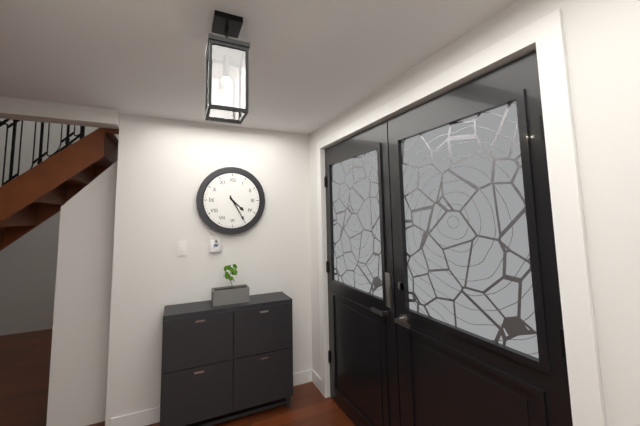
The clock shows h=4 m=25
